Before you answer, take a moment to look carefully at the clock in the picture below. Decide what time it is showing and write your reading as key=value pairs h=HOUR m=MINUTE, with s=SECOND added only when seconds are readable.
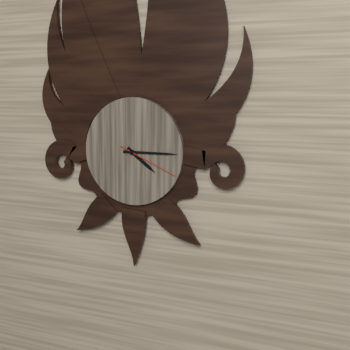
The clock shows h=4 m=15 s=19
